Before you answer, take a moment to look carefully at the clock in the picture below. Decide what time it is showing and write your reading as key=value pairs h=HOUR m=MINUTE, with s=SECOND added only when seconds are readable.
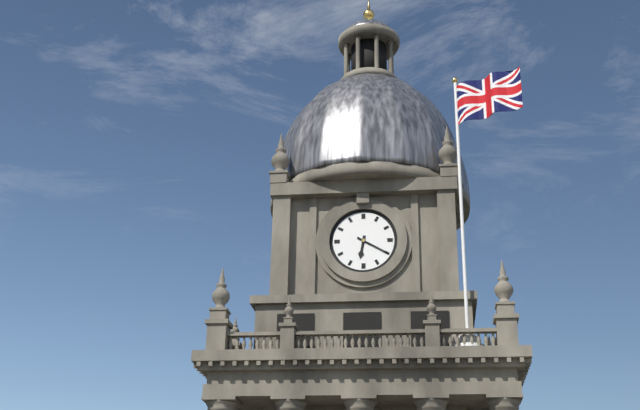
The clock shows h=6 m=20
